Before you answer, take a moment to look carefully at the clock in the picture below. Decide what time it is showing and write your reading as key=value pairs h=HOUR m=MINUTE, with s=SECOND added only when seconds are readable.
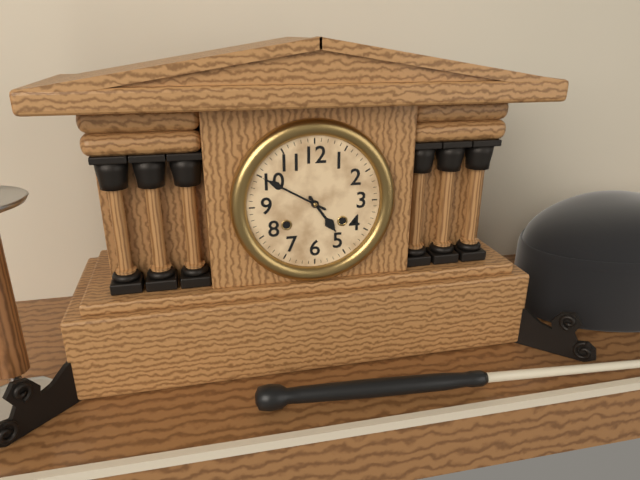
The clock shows h=4 m=50
